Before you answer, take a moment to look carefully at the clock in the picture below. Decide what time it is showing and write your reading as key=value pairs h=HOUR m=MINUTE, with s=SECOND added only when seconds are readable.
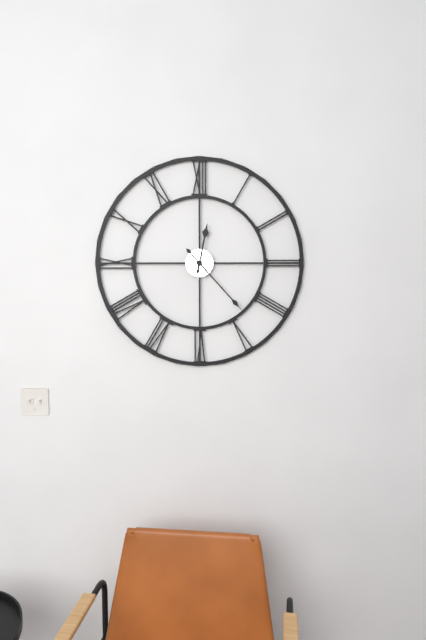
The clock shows h=12 m=23
